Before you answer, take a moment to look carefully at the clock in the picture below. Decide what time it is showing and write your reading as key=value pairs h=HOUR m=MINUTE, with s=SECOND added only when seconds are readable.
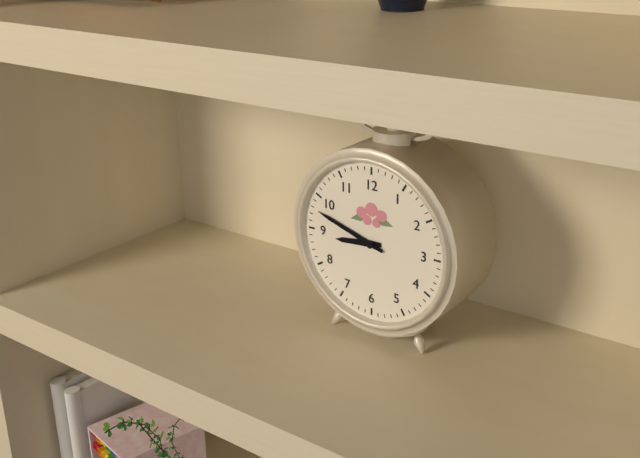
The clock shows h=8 m=48
